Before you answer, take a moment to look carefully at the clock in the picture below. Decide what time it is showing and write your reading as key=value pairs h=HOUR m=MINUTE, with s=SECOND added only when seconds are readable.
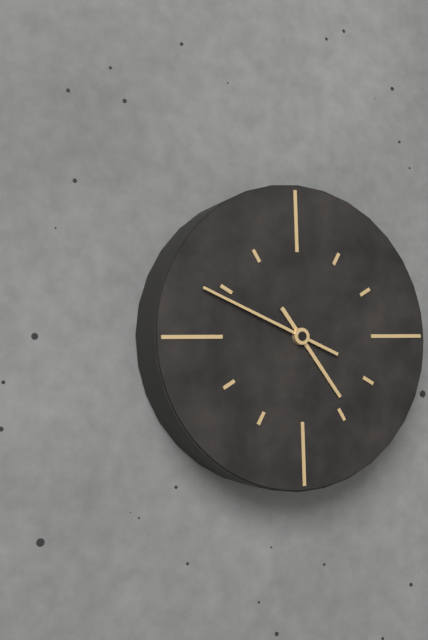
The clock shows h=4 m=49
